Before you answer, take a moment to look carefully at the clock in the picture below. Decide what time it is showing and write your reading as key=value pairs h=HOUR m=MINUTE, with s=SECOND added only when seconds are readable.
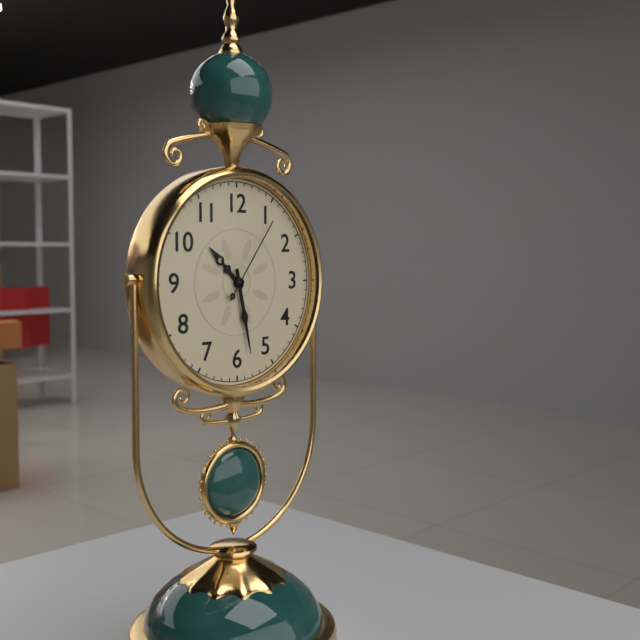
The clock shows h=10 m=28 s=6
